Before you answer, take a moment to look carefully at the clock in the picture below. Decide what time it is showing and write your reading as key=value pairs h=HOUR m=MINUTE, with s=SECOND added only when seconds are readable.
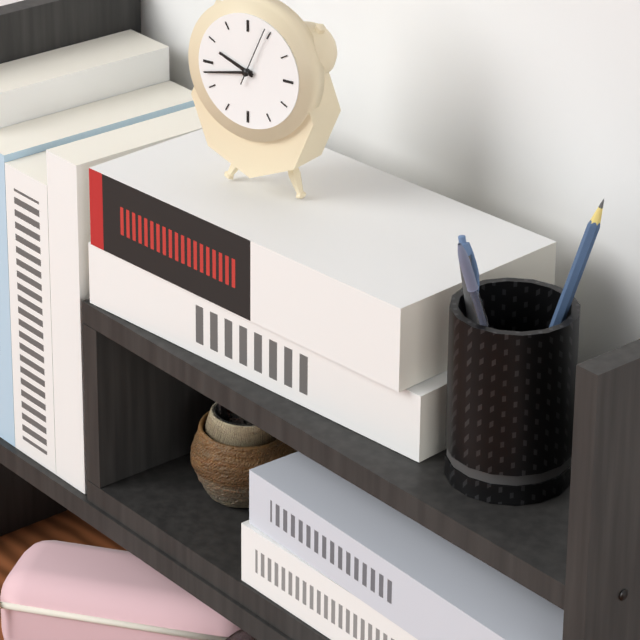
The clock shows h=9 m=43 s=4
